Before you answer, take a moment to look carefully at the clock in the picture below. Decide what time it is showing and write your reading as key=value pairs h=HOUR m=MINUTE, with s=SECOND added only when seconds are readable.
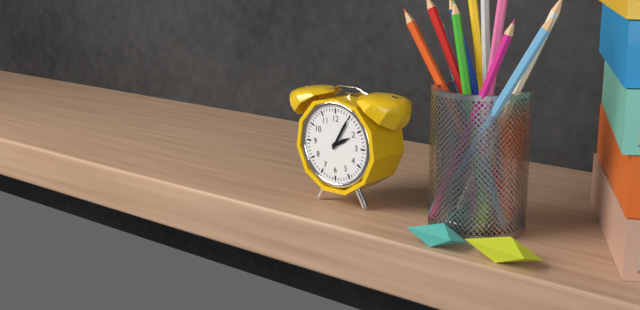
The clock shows h=2 m=5
